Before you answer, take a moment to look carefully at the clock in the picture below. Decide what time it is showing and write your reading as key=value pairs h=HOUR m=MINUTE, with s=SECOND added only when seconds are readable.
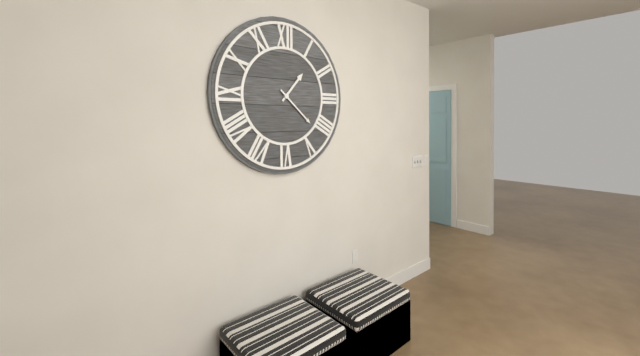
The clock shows h=1 m=22
